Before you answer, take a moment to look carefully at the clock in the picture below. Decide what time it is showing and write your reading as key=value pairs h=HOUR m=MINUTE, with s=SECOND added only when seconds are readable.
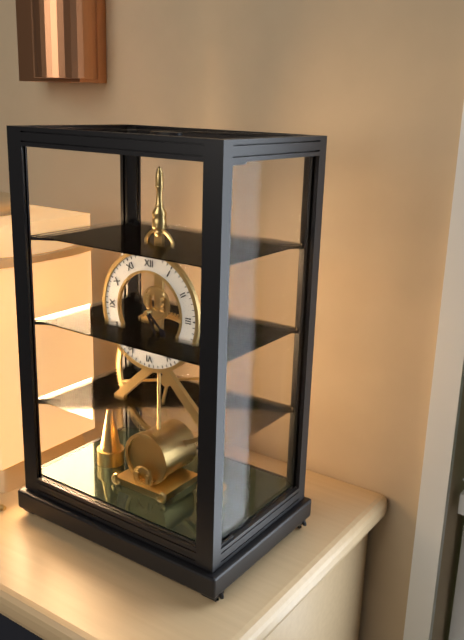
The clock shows h=4 m=25
